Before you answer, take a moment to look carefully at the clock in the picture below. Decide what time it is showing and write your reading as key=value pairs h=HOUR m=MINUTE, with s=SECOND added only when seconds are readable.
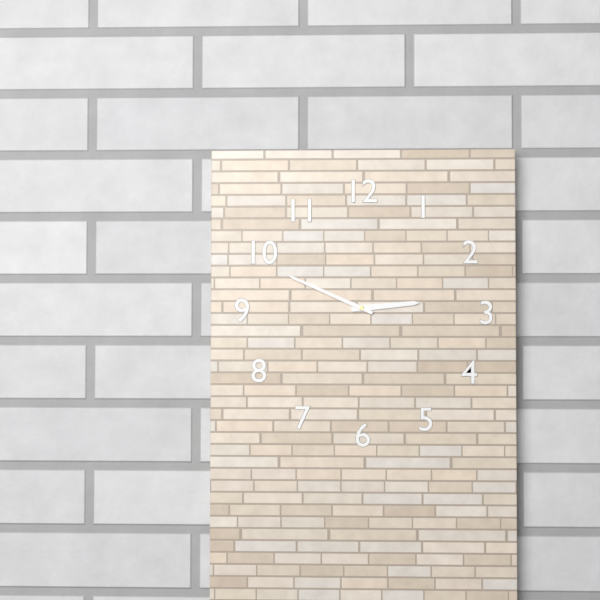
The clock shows h=2 m=49
